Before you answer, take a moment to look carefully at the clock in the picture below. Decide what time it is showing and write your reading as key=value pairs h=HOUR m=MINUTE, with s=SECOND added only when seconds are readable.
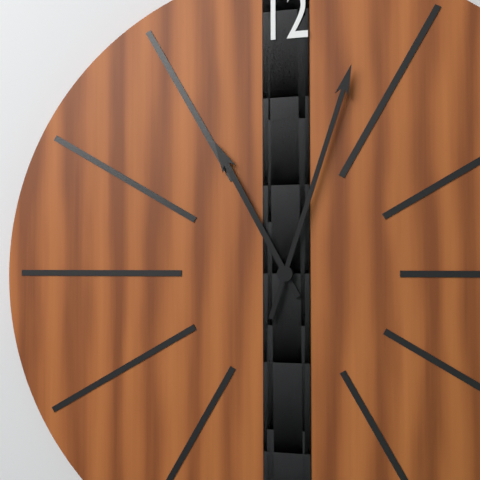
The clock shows h=11 m=3
